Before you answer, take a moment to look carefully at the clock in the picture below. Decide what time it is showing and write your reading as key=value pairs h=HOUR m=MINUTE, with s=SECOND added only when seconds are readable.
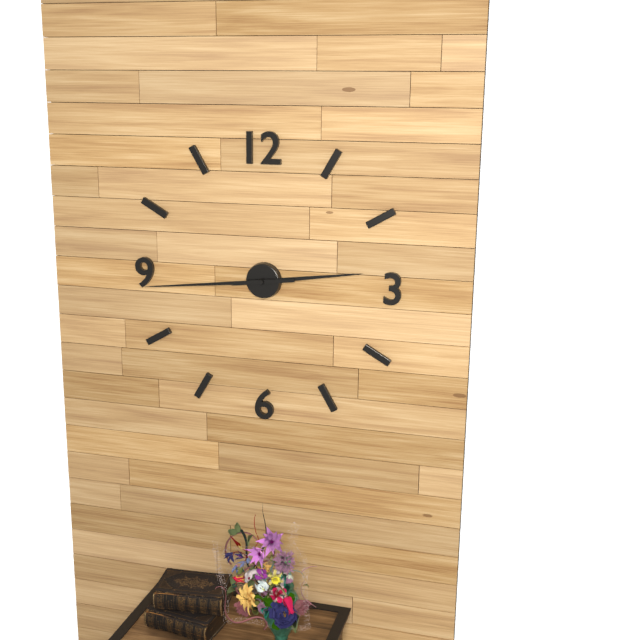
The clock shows h=2 m=44
